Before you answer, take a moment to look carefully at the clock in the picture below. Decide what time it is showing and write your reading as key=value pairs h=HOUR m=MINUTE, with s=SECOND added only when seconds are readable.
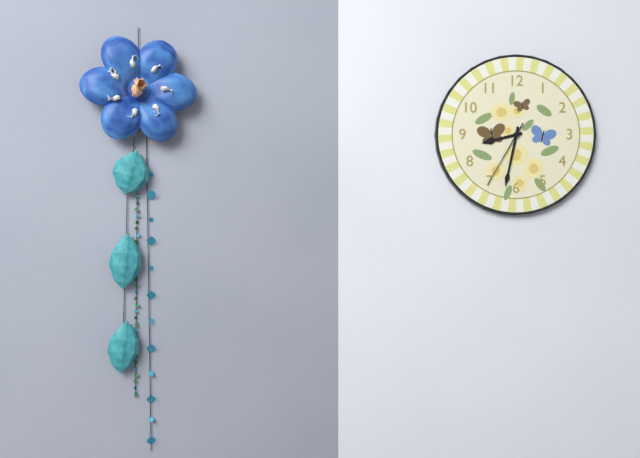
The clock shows h=8 m=32 s=35
